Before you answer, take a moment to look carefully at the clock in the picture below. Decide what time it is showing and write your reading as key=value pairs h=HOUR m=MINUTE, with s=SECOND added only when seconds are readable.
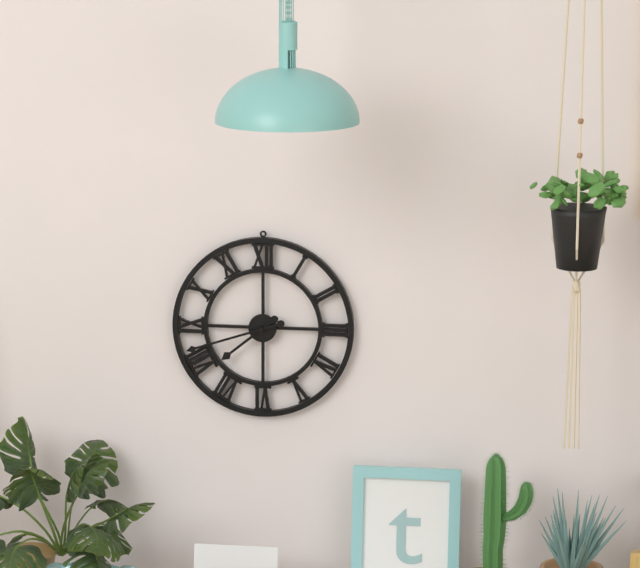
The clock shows h=7 m=42
